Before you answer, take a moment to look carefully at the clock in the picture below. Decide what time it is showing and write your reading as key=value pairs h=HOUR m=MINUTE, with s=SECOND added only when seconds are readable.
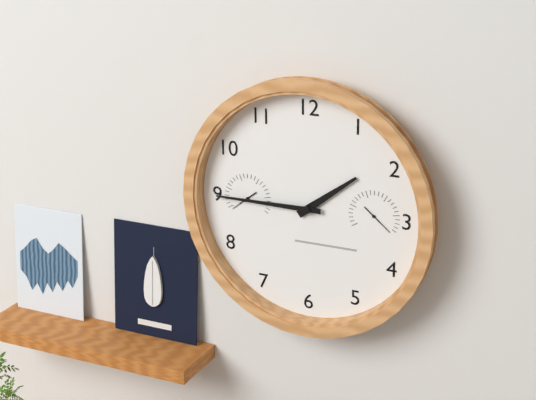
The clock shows h=1 m=45
